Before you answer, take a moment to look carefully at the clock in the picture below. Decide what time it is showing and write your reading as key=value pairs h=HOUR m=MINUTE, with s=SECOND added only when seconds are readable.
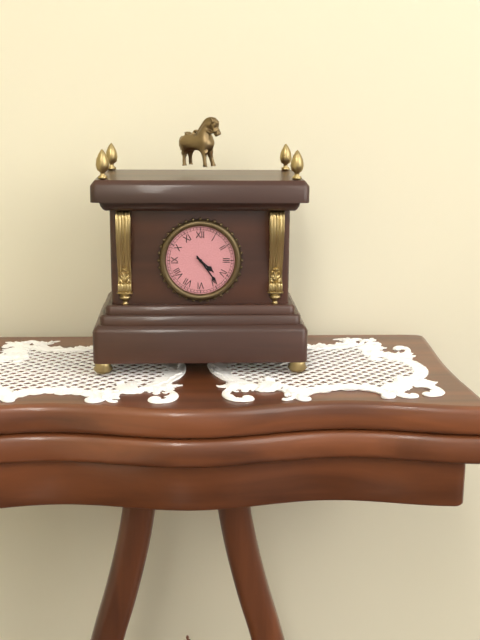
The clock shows h=4 m=24
